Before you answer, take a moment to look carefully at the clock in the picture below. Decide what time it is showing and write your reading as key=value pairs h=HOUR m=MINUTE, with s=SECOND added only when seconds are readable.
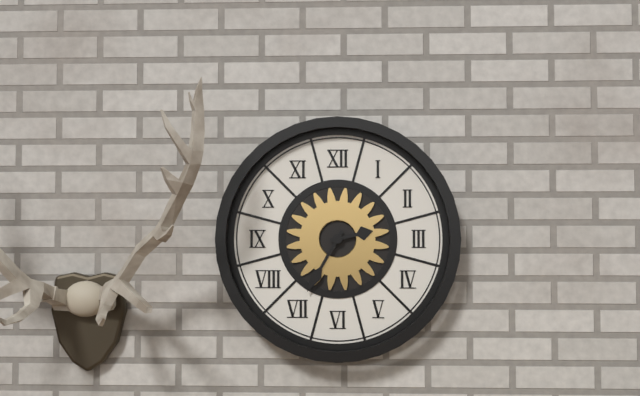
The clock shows h=2 m=35
